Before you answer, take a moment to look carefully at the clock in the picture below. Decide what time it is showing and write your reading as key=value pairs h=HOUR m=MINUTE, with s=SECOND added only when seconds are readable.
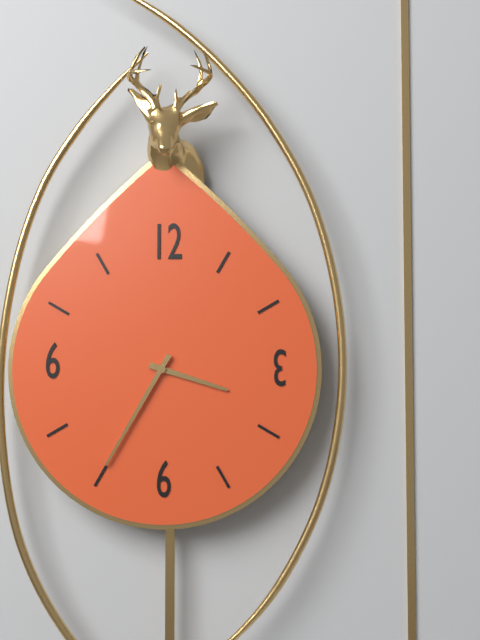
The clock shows h=3 m=35
